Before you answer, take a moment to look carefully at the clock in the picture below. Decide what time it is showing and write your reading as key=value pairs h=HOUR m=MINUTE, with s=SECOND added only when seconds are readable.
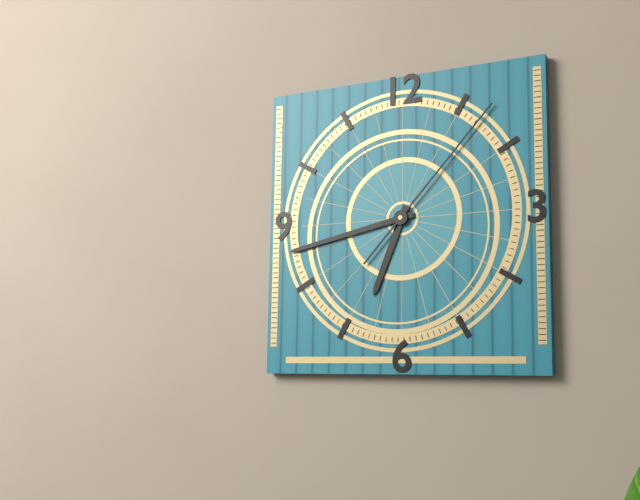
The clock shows h=6 m=43 s=7
